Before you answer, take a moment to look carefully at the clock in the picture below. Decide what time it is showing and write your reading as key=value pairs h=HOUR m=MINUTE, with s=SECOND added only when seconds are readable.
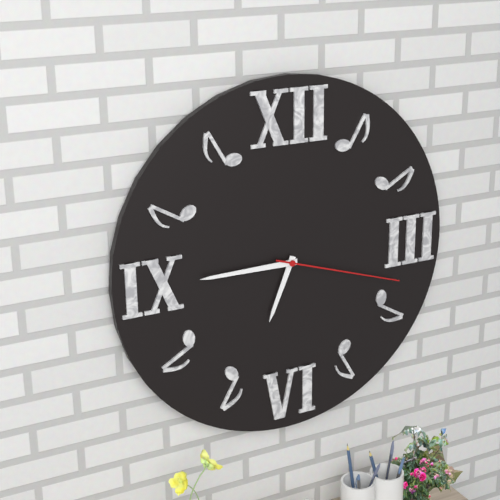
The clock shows h=6 m=45 s=18
